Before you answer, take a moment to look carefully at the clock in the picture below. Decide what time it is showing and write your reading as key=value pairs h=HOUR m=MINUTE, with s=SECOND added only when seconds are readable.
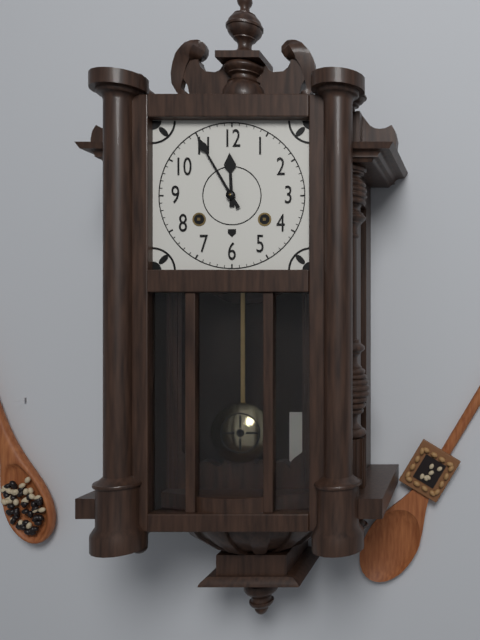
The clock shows h=11 m=55
